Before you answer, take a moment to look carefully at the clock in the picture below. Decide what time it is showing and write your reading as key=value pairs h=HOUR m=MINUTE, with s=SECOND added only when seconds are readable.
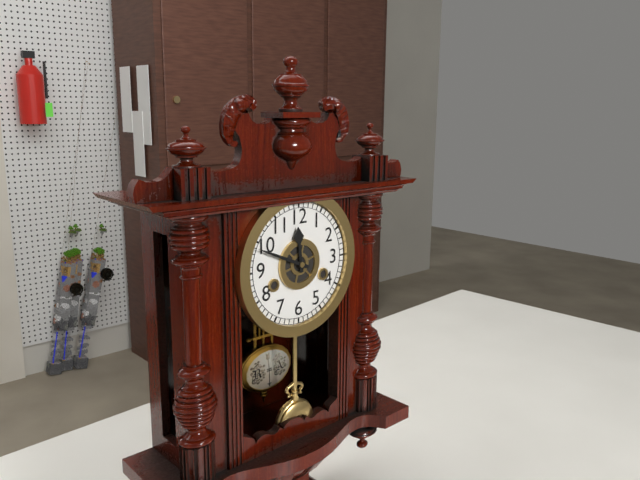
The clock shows h=11 m=49
